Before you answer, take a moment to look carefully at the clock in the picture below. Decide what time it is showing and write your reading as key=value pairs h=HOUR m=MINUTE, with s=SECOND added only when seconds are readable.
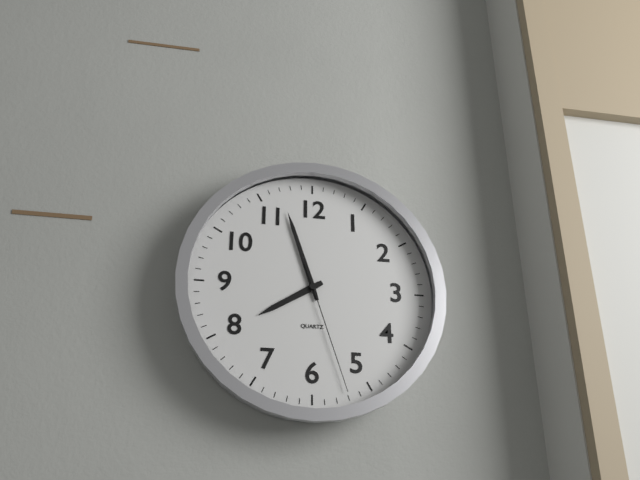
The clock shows h=7 m=57 s=27
